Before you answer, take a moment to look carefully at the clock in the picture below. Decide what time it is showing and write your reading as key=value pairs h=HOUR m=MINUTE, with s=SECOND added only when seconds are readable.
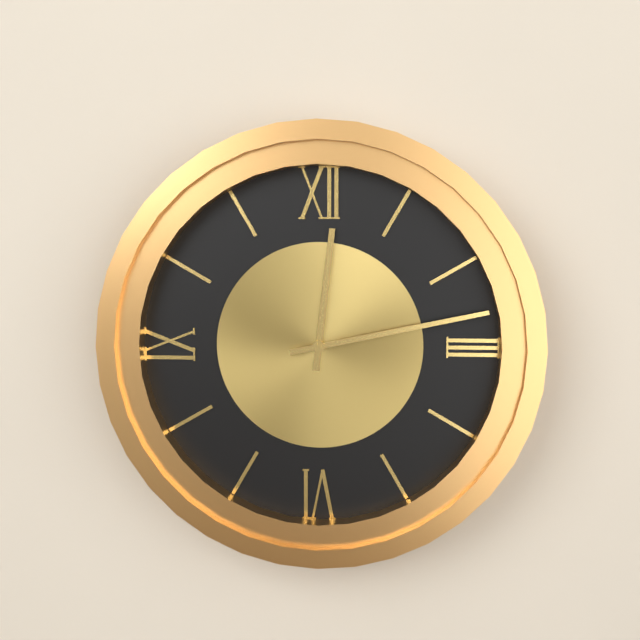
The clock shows h=12 m=13
